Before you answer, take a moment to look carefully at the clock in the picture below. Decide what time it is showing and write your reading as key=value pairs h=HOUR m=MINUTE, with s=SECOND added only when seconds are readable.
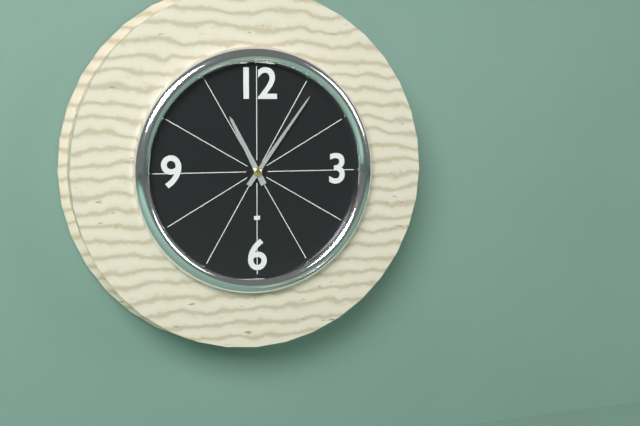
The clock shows h=11 m=6
